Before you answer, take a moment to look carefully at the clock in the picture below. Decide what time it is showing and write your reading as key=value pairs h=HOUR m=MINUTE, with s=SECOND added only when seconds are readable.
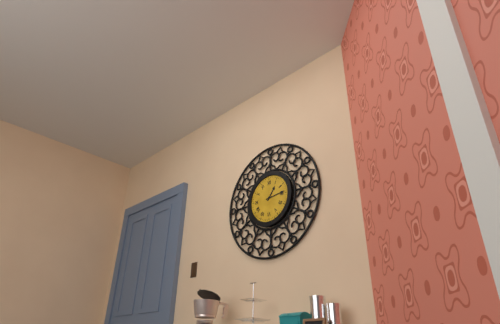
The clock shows h=1 m=14
